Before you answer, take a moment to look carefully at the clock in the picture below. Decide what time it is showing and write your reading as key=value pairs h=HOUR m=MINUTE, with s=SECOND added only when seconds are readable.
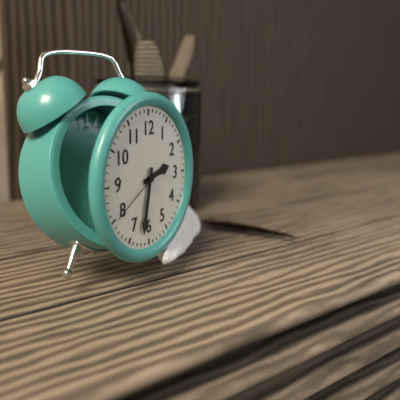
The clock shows h=2 m=32 s=40
